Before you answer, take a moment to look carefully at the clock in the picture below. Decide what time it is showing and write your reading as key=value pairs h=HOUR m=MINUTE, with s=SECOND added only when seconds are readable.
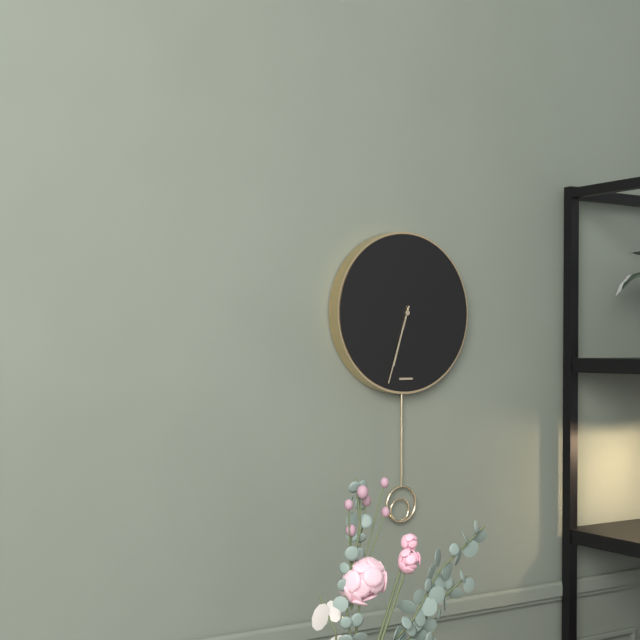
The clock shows h=6 m=33
